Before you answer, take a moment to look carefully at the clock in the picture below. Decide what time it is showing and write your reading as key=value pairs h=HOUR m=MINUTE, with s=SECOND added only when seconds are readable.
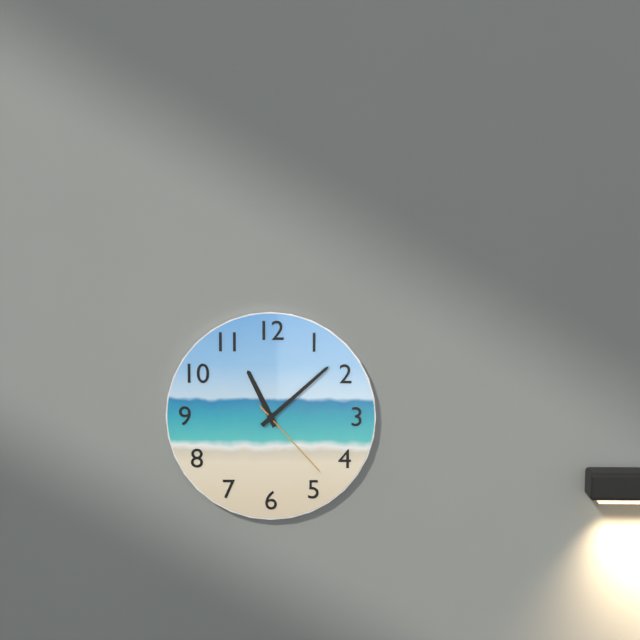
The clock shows h=11 m=8 s=23
